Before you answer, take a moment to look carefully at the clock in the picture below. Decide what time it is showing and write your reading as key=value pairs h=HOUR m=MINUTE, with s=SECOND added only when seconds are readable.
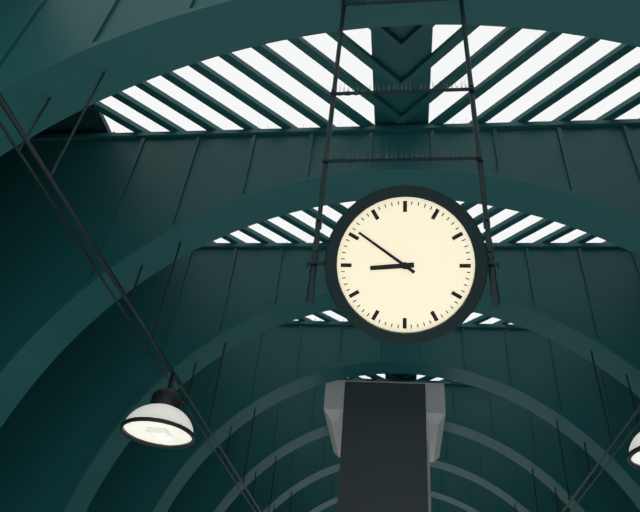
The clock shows h=8 m=51
